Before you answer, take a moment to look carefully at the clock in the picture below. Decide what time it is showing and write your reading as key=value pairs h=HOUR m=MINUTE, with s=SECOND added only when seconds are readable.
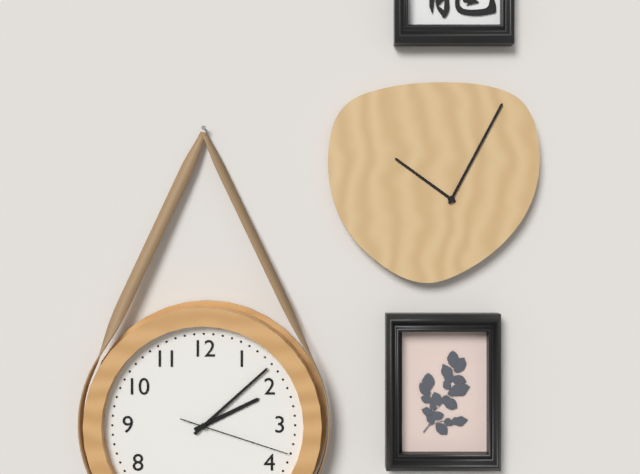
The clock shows h=2 m=8 s=18
